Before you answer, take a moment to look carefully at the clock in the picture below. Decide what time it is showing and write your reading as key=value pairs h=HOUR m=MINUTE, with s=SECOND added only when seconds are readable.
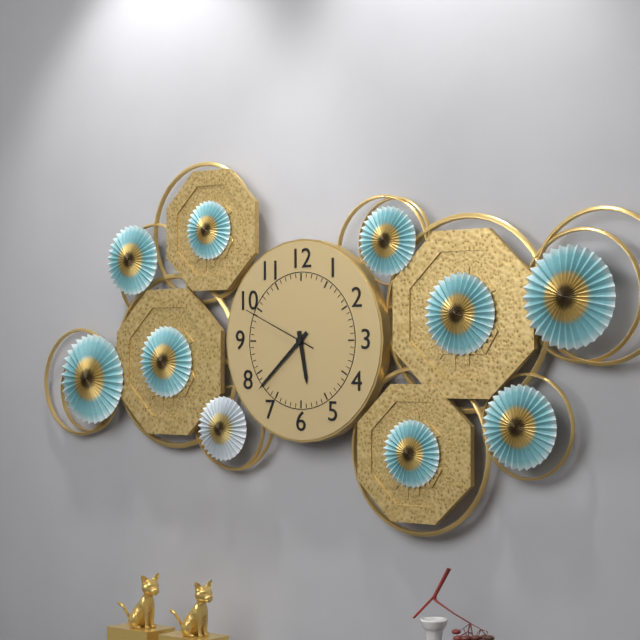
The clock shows h=5 m=38 s=49
